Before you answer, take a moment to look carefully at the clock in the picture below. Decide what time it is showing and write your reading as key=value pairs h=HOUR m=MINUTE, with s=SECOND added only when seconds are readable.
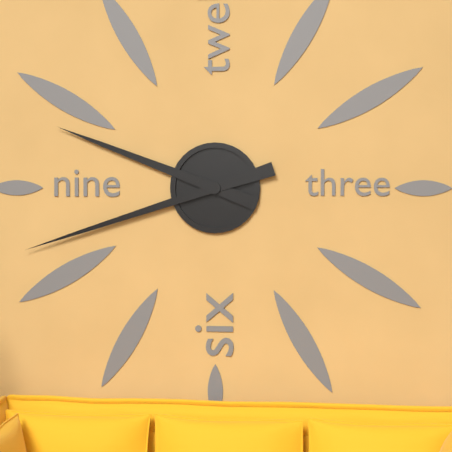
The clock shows h=9 m=42
